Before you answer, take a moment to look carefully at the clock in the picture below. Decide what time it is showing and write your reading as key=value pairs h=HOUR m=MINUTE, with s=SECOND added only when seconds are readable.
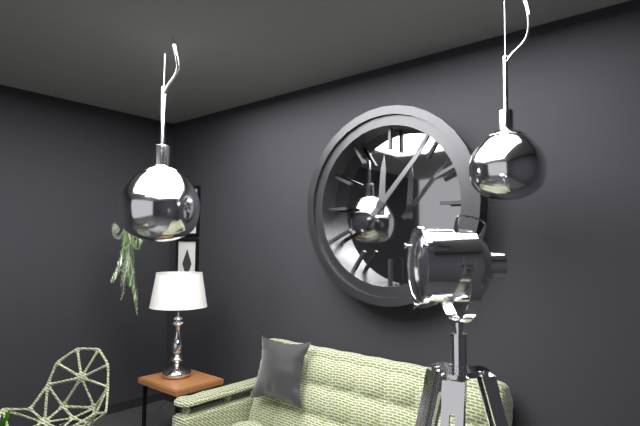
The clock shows h=12 m=7
